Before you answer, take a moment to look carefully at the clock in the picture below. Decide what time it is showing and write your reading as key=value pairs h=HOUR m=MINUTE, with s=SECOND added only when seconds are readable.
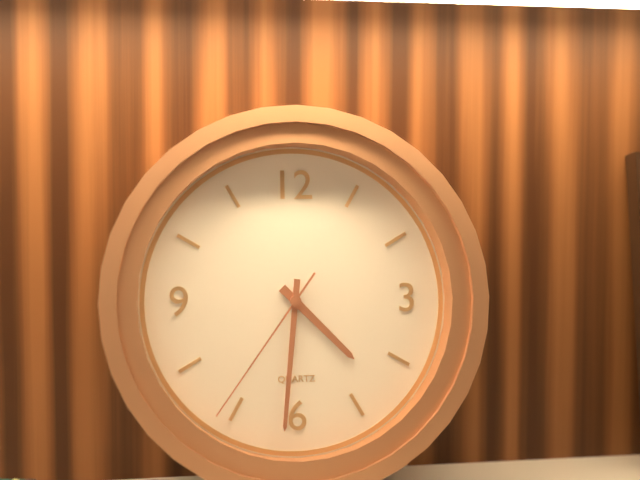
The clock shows h=4 m=31 s=36
